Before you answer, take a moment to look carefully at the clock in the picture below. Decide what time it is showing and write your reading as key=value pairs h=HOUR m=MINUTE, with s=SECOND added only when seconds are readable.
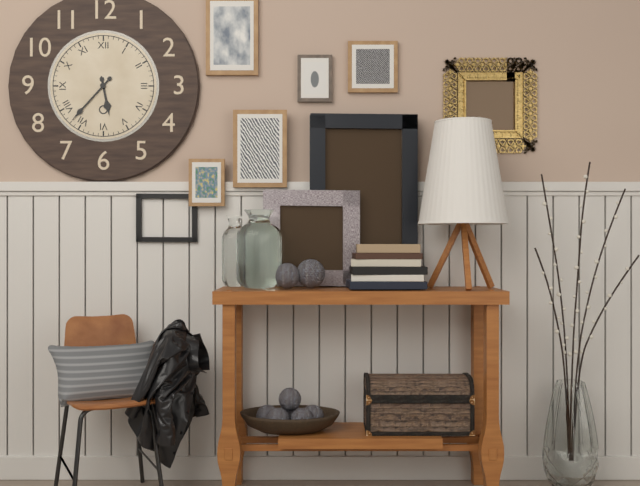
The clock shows h=5 m=37
